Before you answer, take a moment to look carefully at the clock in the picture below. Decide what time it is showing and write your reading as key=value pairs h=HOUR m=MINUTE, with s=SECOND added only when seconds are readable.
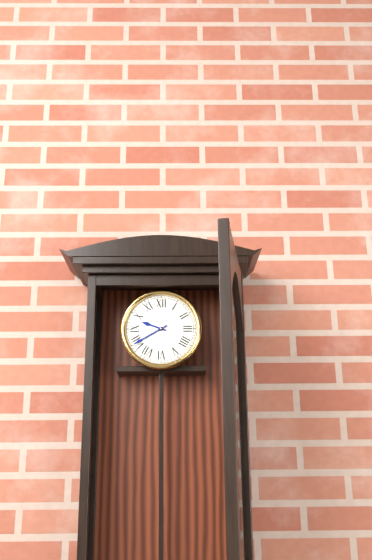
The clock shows h=9 m=40
